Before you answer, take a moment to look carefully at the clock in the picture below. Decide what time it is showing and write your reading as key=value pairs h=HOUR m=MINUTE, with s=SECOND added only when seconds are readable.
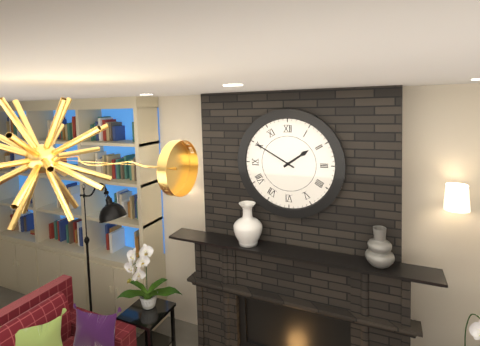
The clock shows h=1 m=50
